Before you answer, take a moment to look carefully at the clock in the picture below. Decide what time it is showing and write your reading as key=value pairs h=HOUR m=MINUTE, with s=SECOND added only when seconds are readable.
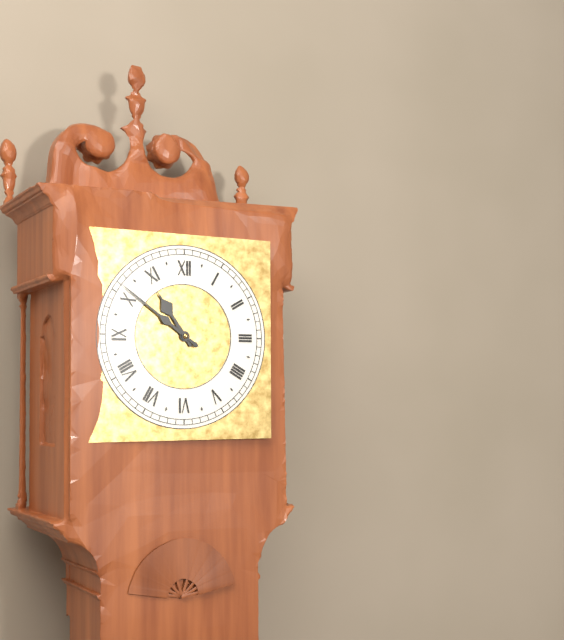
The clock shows h=10 m=51
